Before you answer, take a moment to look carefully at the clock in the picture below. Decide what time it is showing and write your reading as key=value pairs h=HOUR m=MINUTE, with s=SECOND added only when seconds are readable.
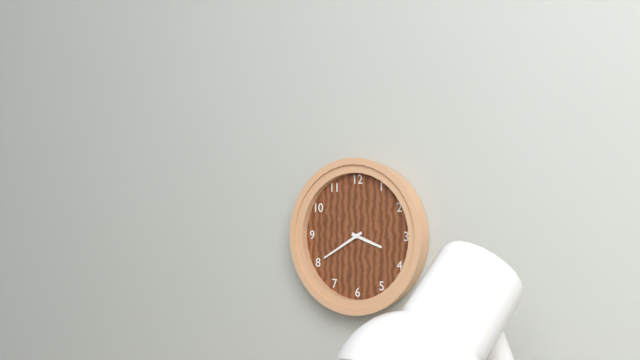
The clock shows h=3 m=40
